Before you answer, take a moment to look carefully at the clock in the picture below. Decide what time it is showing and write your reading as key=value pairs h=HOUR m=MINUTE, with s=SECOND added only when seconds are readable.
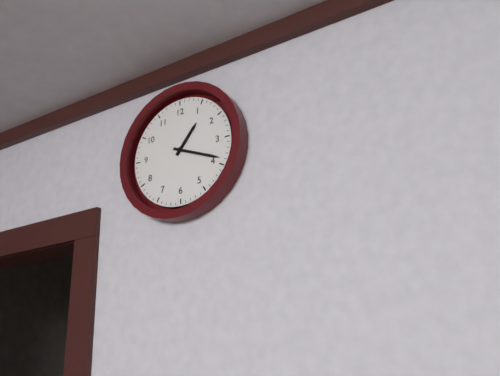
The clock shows h=1 m=19
